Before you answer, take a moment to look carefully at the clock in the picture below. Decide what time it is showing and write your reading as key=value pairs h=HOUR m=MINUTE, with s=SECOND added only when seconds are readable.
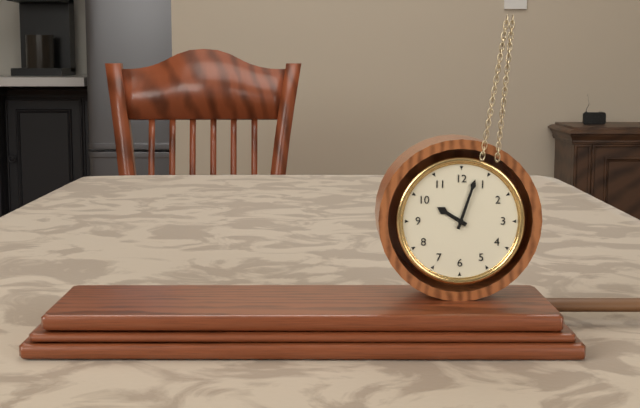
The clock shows h=10 m=3
